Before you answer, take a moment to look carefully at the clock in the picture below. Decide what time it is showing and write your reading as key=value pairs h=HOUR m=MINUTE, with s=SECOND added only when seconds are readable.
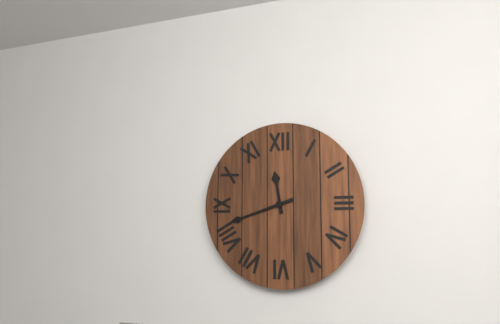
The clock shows h=11 m=42
